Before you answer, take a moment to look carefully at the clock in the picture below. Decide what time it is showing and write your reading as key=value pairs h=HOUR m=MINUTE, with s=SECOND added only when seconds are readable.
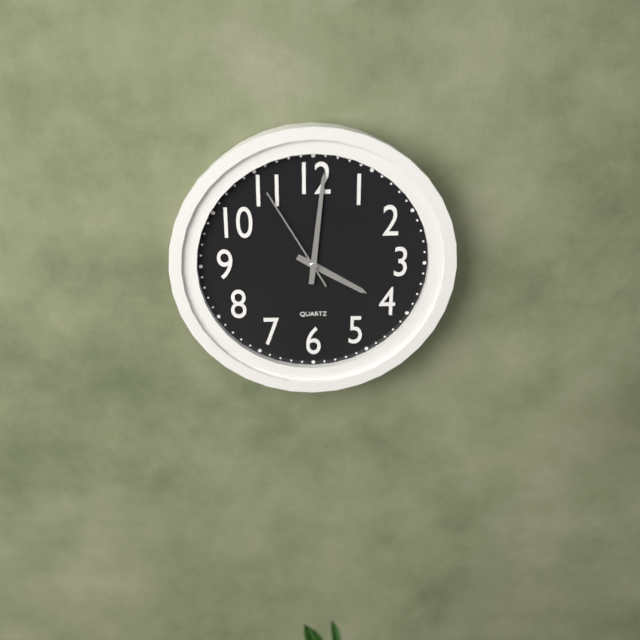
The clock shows h=4 m=1 s=55
